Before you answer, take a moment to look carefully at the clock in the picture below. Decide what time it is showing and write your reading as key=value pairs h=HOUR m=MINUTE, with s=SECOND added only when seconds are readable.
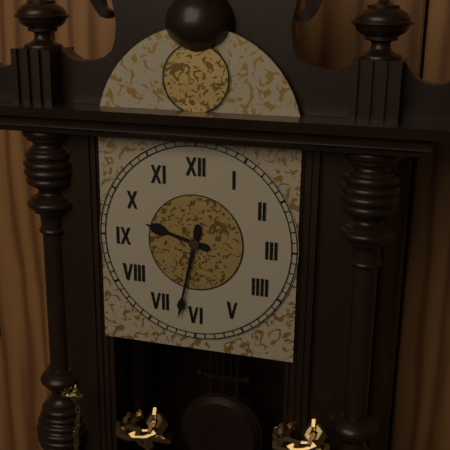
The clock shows h=9 m=32
